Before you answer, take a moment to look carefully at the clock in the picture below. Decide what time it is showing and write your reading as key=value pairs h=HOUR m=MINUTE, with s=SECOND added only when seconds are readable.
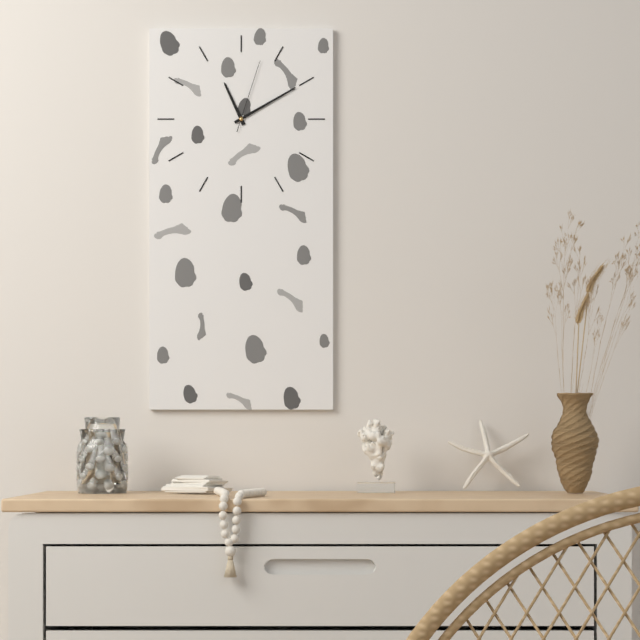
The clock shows h=11 m=10 s=3
